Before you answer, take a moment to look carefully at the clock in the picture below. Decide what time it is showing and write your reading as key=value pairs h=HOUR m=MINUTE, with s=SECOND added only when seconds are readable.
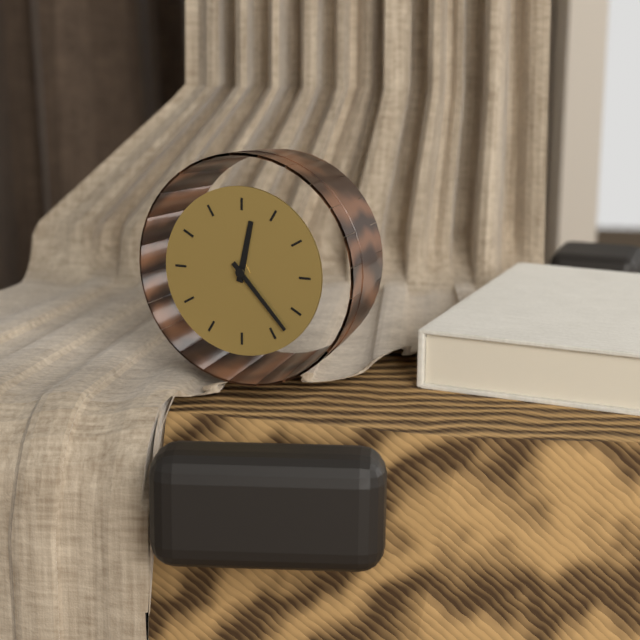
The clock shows h=12 m=23
